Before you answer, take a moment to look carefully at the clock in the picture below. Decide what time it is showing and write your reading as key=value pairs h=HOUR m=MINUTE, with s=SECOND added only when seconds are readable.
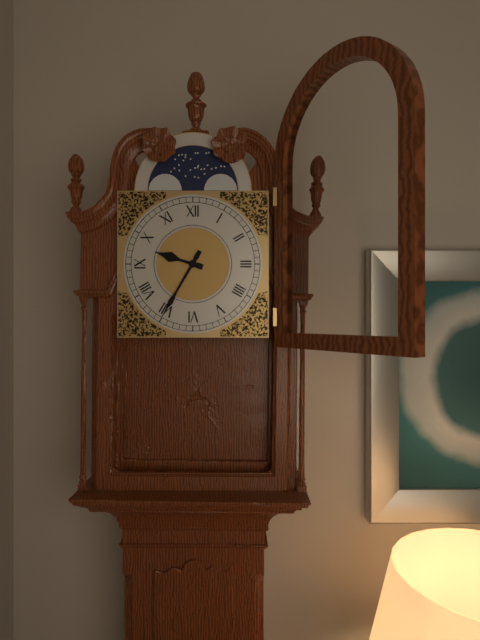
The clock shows h=9 m=35
